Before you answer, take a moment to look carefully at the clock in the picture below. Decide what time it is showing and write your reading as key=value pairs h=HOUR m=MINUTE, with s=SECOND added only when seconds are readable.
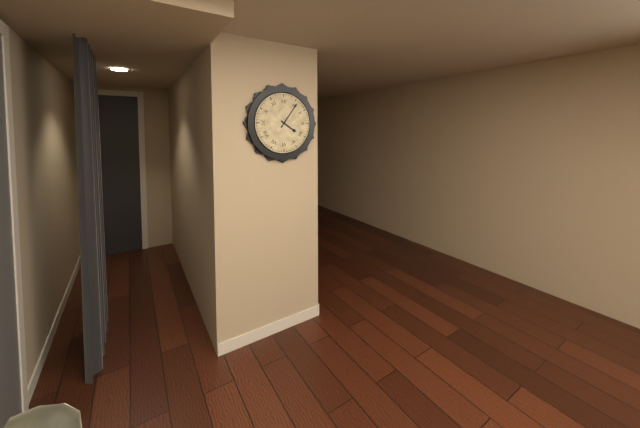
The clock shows h=4 m=6
